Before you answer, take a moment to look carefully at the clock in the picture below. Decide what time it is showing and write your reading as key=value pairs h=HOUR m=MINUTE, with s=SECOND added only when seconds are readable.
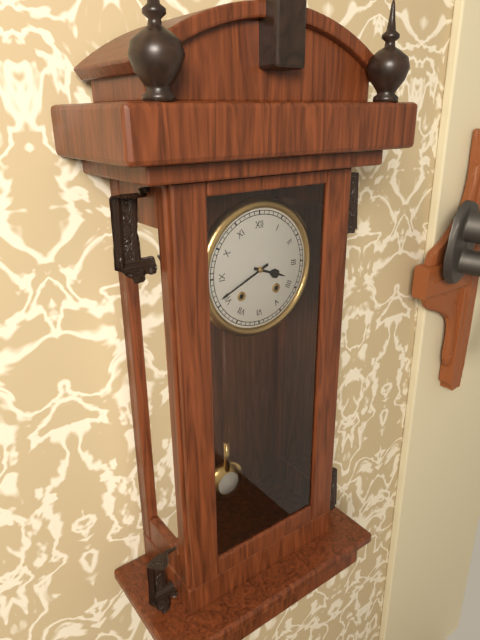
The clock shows h=3 m=41
